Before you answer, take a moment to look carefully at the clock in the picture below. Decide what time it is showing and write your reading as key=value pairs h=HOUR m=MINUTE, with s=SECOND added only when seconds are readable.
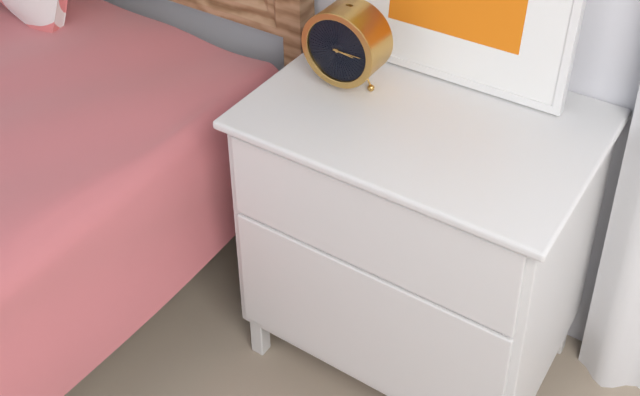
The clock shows h=3 m=15
